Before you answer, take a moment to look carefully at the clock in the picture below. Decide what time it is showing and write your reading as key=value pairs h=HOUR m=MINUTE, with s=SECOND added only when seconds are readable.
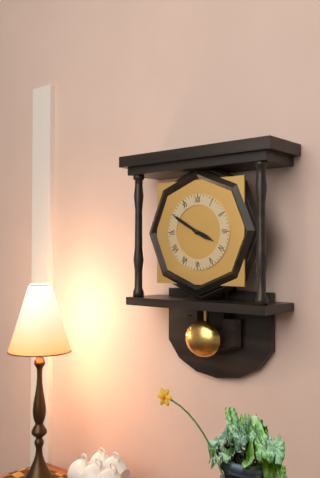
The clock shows h=3 m=50
